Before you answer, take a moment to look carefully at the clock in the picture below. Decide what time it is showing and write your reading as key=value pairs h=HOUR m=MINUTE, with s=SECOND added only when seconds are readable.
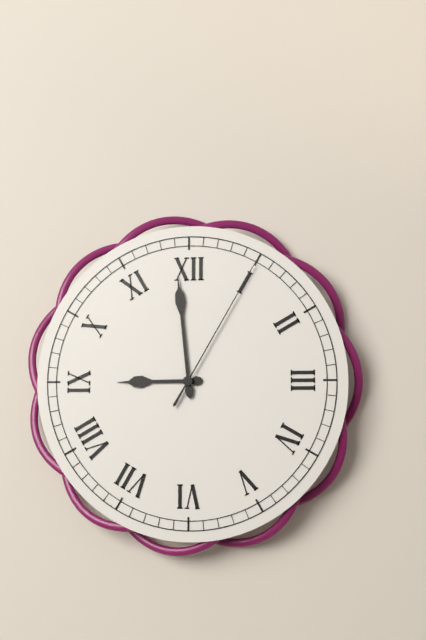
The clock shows h=8 m=59 s=5
